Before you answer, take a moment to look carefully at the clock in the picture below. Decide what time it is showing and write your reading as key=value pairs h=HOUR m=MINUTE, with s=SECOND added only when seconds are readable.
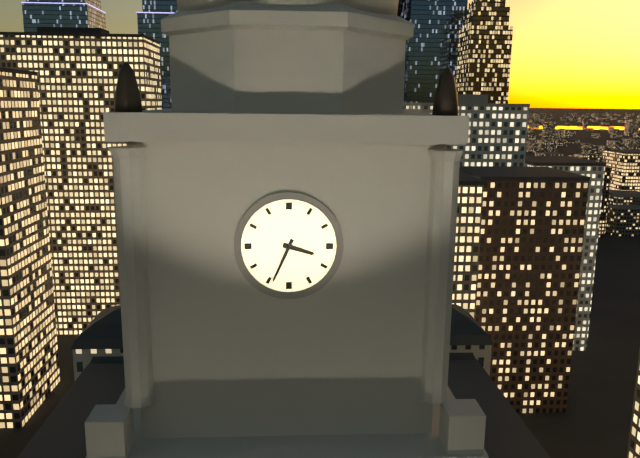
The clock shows h=3 m=34
